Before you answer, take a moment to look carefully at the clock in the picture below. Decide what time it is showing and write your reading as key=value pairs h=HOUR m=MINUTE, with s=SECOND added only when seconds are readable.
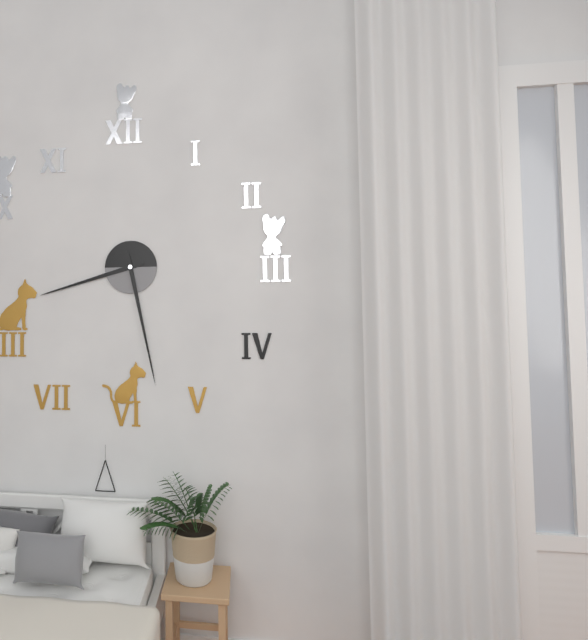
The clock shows h=8 m=28
